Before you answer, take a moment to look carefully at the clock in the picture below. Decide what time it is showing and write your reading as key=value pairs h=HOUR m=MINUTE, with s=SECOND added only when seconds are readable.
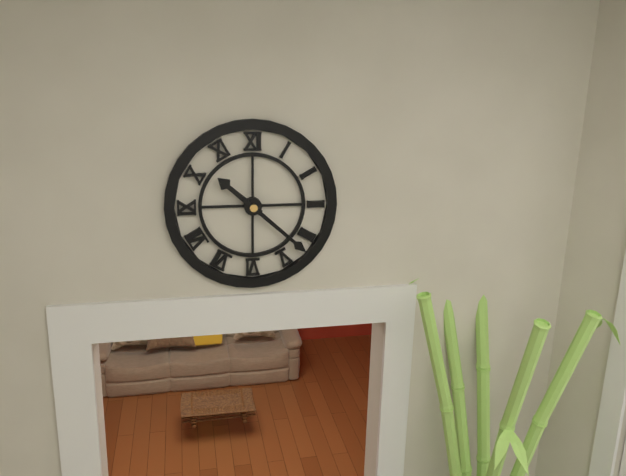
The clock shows h=10 m=22
